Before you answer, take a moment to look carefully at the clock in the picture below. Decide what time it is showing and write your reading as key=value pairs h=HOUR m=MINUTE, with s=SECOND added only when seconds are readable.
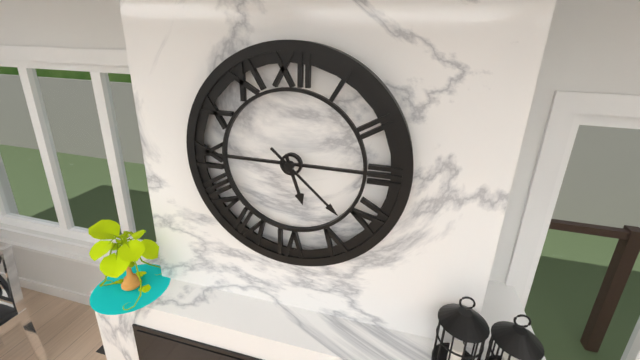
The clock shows h=5 m=22
